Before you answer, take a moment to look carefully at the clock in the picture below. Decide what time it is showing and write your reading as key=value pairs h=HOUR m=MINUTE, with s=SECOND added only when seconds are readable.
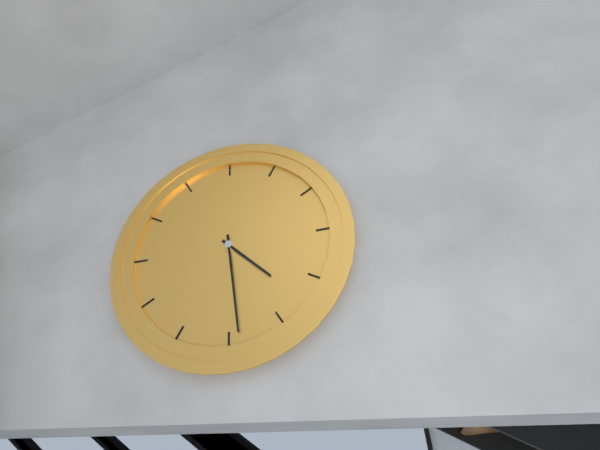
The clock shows h=4 m=29
